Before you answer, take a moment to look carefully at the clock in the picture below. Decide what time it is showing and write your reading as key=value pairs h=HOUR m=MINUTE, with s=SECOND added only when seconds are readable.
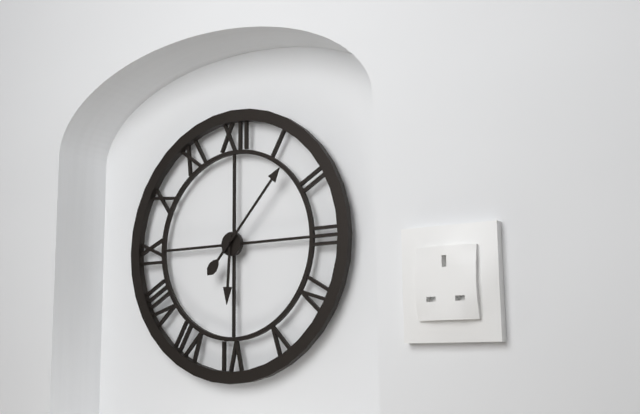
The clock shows h=6 m=7
